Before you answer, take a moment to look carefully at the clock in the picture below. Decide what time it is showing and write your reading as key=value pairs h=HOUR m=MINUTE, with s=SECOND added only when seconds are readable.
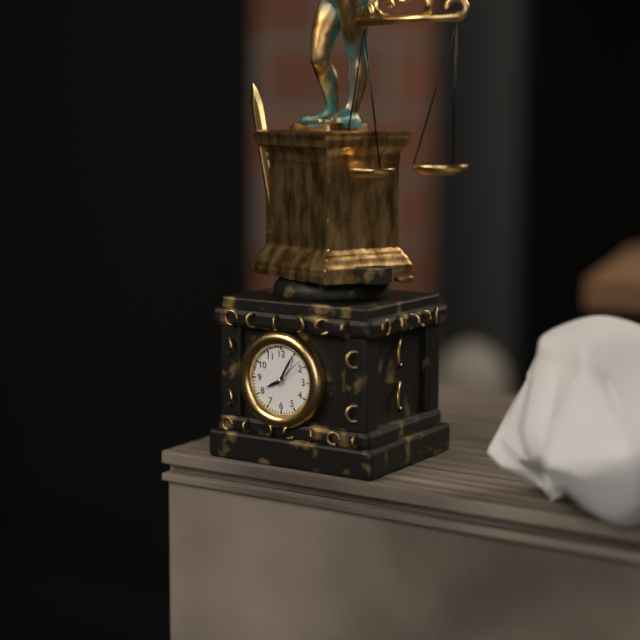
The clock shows h=8 m=5
